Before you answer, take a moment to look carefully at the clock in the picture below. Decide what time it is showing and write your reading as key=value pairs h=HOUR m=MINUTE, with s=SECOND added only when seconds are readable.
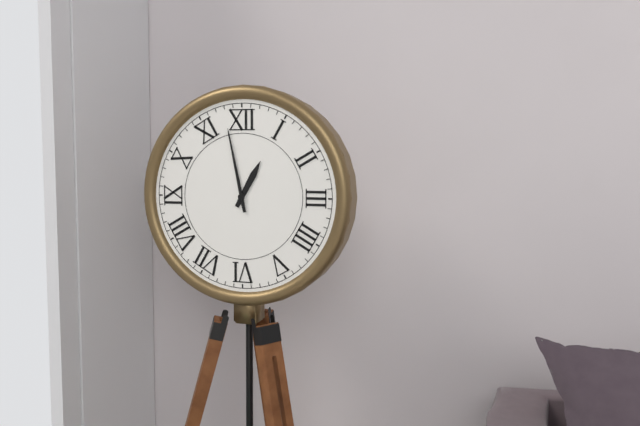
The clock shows h=12 m=58
